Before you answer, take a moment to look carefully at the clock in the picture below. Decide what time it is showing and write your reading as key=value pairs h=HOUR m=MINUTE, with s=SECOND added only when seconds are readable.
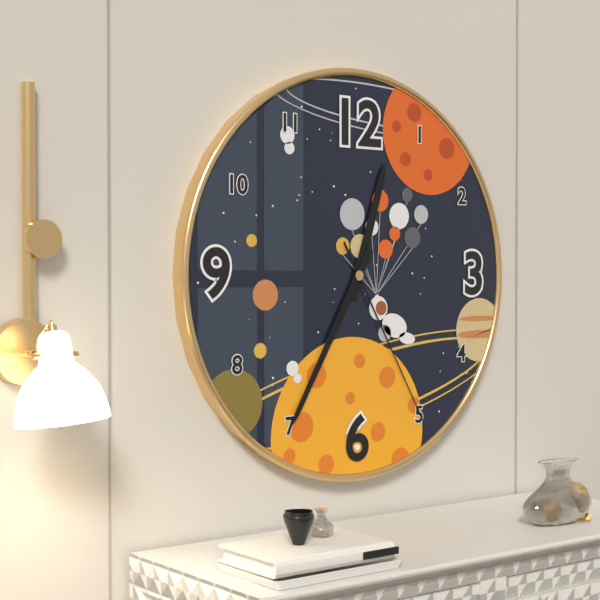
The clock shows h=12 m=35 s=25
